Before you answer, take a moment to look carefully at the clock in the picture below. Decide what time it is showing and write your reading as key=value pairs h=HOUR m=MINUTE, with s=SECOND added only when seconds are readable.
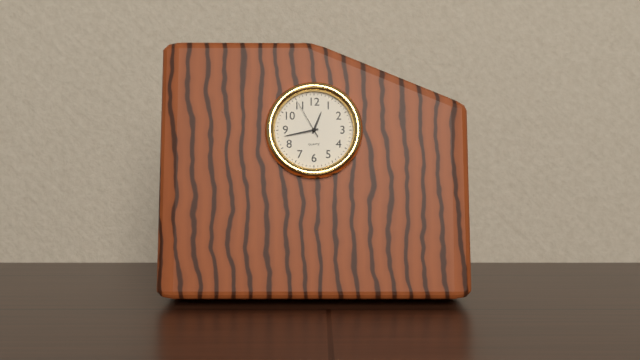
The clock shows h=12 m=43
